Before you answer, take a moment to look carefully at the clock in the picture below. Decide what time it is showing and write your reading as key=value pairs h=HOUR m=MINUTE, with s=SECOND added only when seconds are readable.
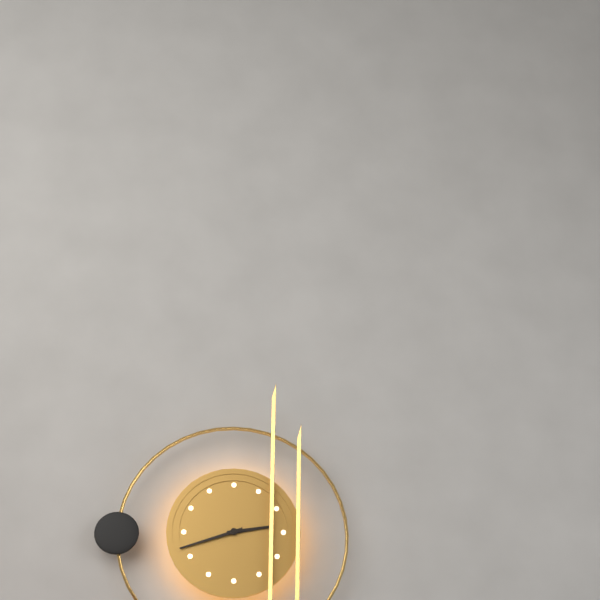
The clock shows h=2 m=42
